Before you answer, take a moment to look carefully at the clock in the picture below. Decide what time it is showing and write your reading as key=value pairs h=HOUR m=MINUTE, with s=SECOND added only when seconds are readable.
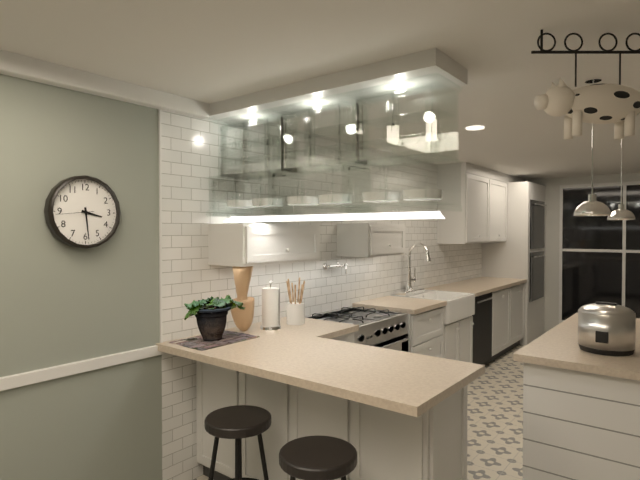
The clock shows h=3 m=29
